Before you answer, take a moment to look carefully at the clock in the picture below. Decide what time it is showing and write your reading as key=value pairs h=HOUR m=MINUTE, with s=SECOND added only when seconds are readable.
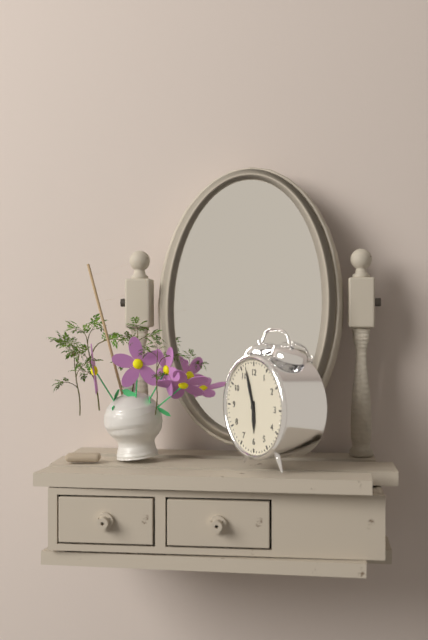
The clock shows h=5 m=57
